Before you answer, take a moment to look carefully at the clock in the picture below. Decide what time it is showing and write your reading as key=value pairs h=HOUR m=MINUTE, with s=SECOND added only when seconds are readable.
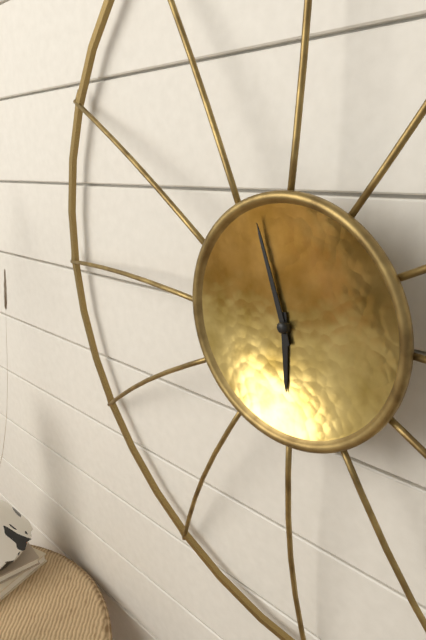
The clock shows h=5 m=57
